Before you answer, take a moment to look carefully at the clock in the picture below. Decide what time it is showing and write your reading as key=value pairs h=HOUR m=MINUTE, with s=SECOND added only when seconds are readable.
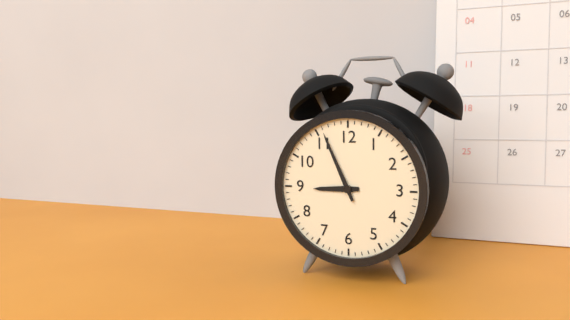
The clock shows h=8 m=56
